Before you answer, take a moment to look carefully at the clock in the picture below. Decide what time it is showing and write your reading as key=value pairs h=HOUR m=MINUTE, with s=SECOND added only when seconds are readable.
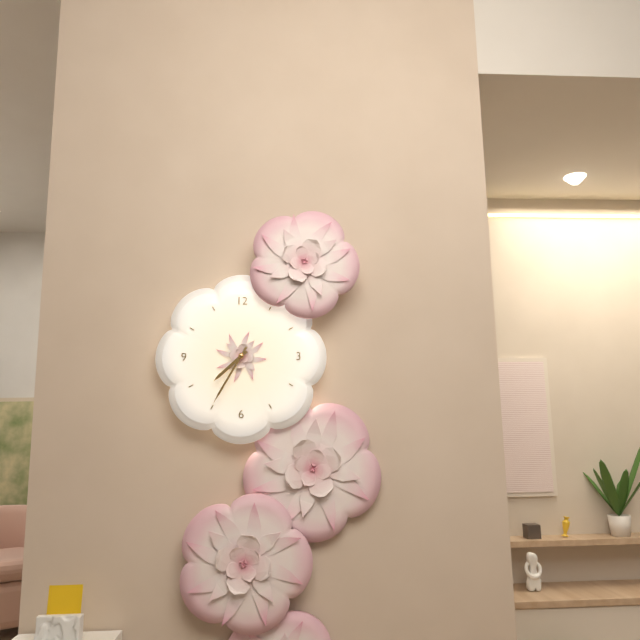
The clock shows h=7 m=35
